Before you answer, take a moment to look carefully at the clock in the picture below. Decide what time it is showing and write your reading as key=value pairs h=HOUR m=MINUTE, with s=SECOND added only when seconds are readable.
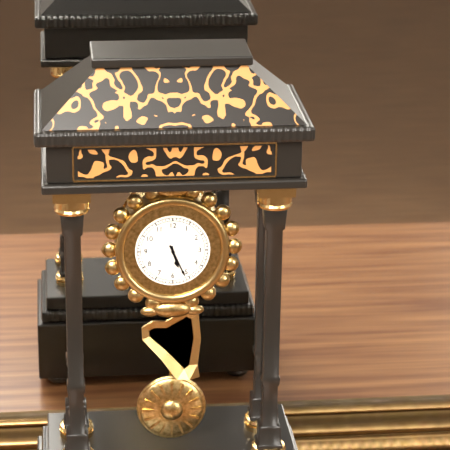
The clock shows h=5 m=26
